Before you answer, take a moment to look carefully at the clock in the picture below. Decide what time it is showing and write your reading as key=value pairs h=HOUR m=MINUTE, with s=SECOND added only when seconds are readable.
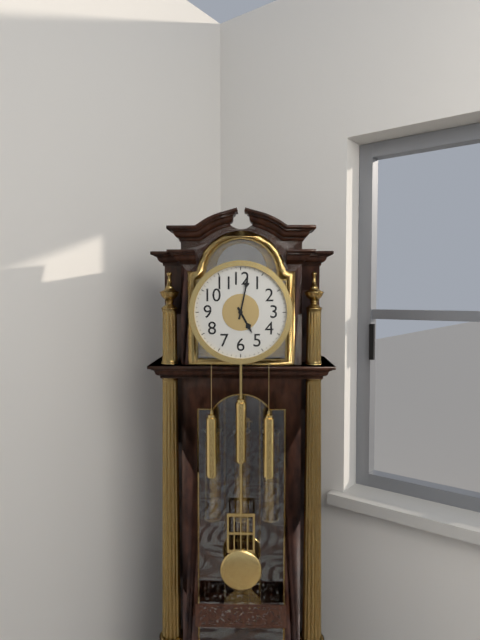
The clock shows h=5 m=2
